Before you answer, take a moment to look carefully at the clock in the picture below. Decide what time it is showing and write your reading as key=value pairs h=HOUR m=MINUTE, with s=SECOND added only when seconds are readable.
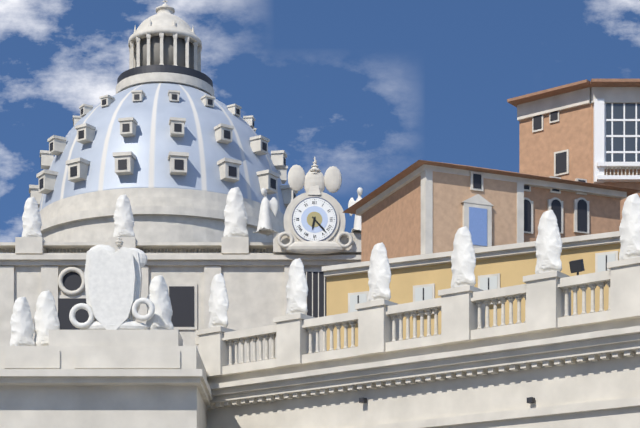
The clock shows h=6 m=23
